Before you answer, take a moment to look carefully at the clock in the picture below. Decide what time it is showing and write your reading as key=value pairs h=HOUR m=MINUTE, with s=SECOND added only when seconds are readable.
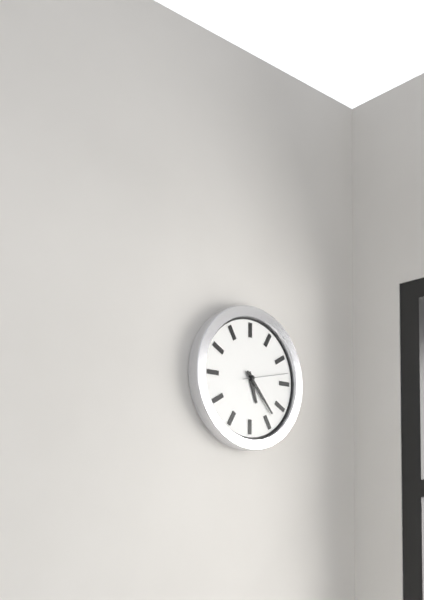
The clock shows h=5 m=23
